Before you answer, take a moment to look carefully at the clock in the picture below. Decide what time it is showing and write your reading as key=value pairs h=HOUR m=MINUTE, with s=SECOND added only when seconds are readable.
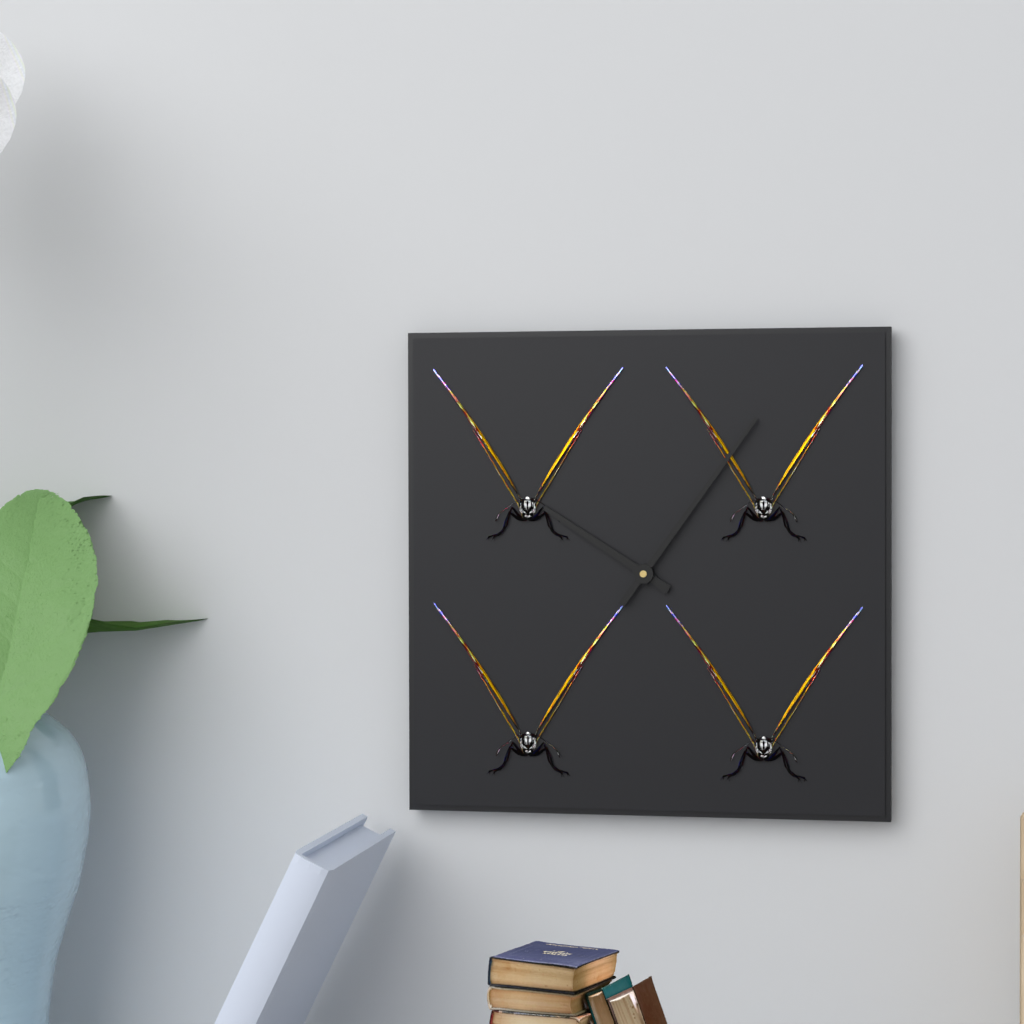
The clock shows h=10 m=6
